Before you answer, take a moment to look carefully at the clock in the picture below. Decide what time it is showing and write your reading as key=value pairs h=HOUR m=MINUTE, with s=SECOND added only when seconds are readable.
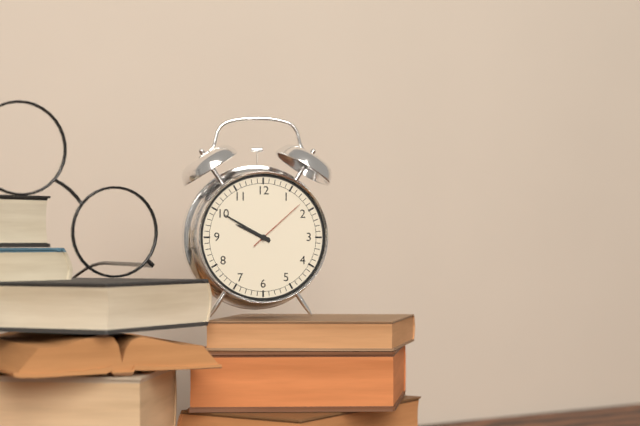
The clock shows h=9 m=50 s=8
